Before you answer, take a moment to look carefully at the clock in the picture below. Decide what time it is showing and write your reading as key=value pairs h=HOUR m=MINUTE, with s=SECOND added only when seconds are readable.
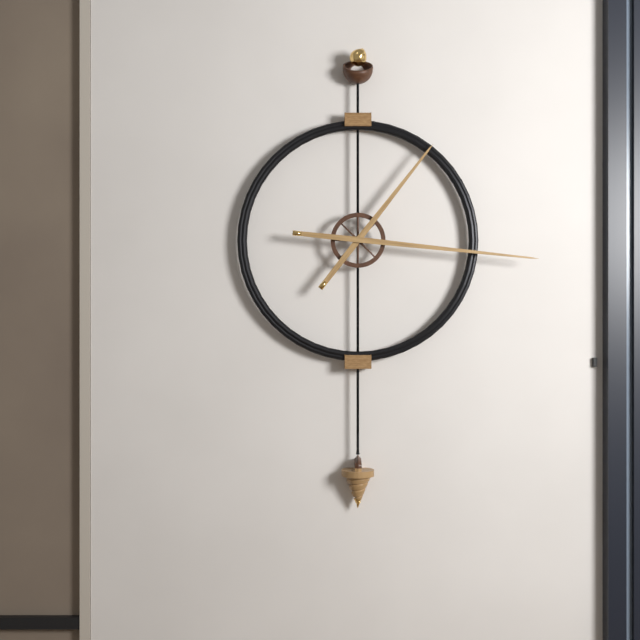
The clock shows h=1 m=16
